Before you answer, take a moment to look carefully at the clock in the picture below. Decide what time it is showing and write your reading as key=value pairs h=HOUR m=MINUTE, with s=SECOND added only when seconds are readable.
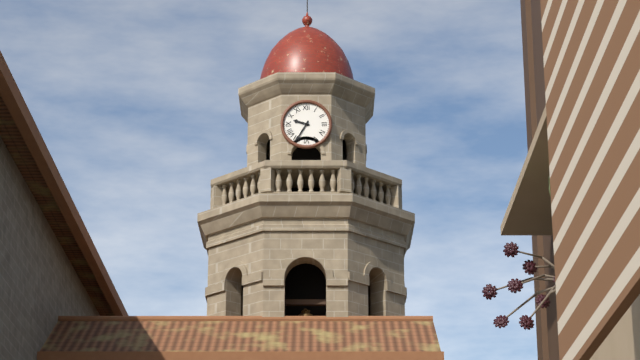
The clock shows h=9 m=35
